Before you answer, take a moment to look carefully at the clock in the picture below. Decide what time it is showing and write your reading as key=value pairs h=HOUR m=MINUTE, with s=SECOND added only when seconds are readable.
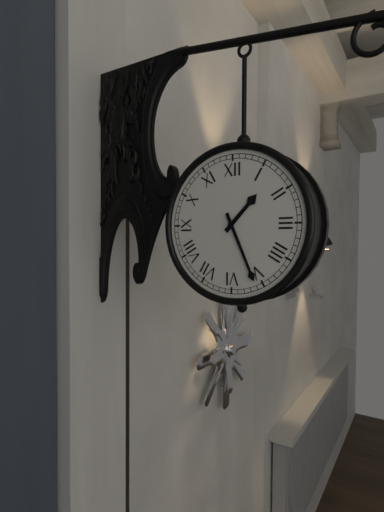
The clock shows h=1 m=26
